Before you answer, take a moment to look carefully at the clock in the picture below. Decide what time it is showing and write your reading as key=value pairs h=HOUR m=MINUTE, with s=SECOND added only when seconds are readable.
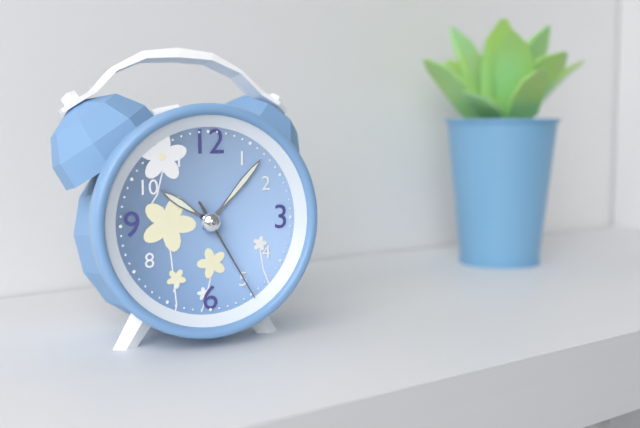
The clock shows h=10 m=7 s=25
